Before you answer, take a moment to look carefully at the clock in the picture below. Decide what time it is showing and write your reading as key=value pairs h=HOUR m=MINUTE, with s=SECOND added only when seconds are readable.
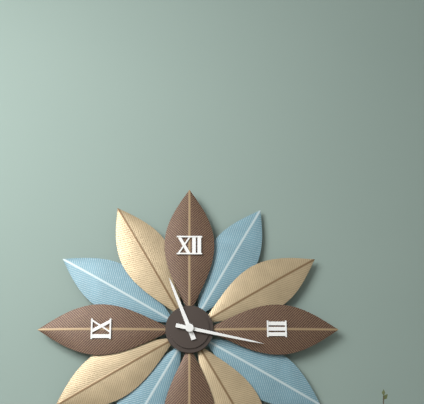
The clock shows h=11 m=17
